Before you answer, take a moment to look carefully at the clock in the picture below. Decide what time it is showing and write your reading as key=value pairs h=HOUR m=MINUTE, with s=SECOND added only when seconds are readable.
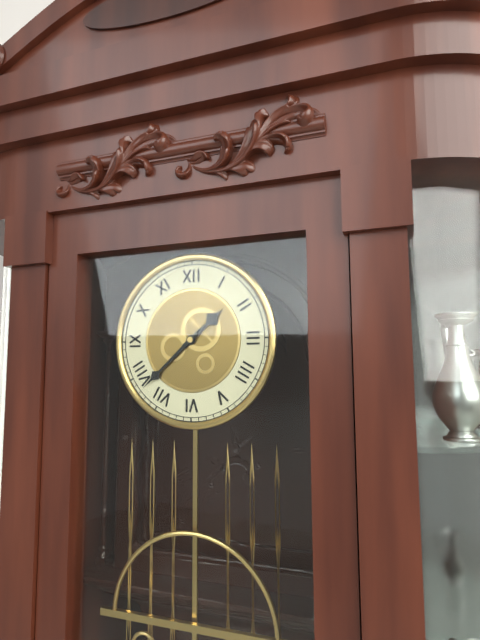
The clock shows h=1 m=38
